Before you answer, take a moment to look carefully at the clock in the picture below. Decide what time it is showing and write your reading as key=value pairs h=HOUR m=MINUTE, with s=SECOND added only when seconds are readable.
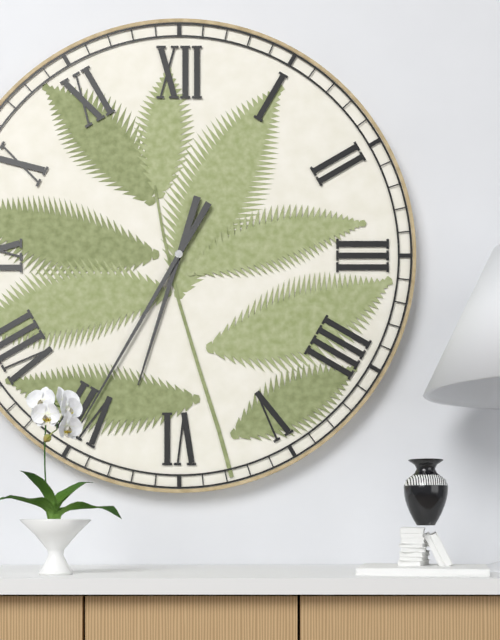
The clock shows h=6 m=35
